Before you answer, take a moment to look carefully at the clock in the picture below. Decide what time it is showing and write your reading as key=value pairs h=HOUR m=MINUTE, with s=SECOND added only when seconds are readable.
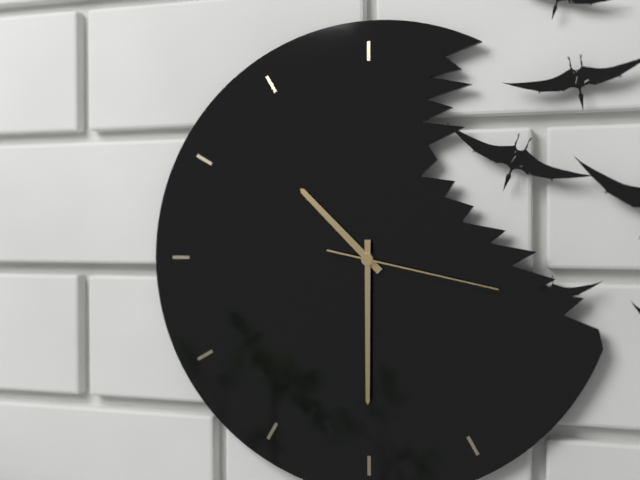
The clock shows h=10 m=30 s=17
